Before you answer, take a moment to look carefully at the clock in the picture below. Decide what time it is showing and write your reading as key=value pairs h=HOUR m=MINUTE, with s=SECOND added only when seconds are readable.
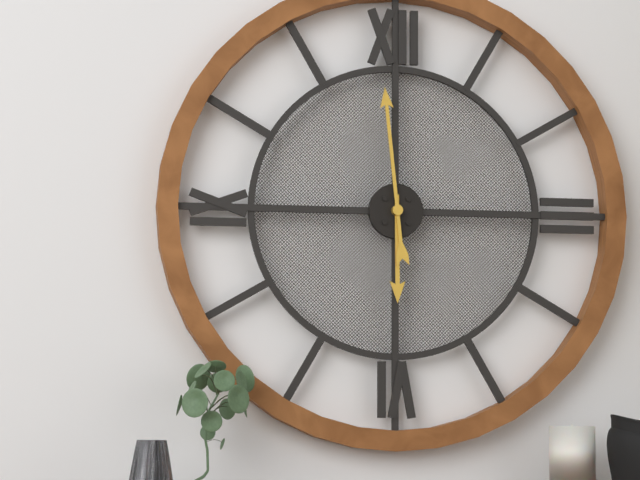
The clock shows h=5 m=59
